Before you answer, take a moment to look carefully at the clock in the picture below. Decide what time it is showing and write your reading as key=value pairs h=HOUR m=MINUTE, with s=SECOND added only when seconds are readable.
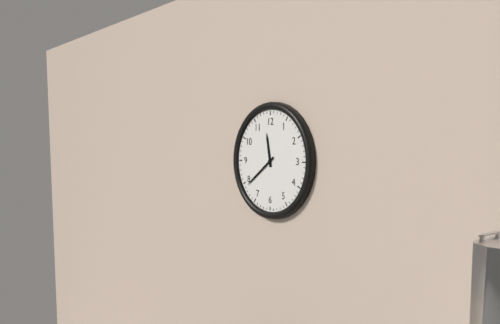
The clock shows h=11 m=39
